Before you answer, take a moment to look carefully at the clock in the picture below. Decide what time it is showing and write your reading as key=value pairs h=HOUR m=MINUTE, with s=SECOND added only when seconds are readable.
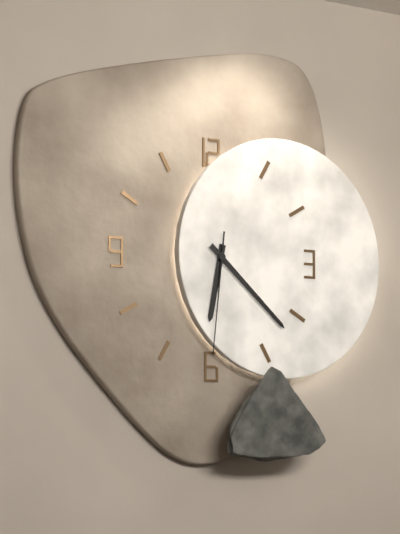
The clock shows h=6 m=22 s=31
